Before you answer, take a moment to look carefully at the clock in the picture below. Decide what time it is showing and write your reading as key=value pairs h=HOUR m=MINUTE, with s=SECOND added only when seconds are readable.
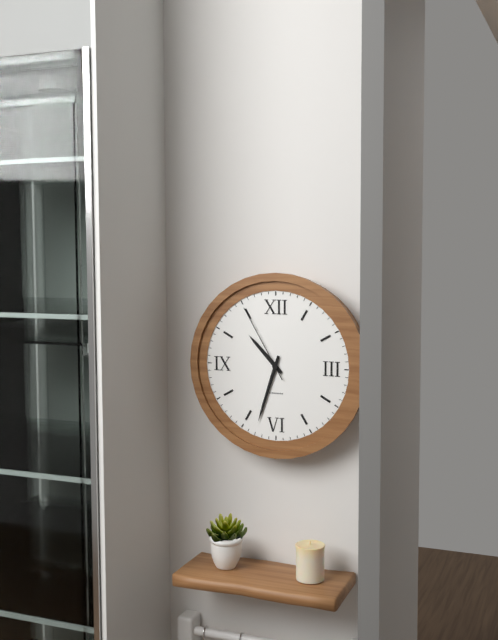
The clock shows h=10 m=33 s=55
